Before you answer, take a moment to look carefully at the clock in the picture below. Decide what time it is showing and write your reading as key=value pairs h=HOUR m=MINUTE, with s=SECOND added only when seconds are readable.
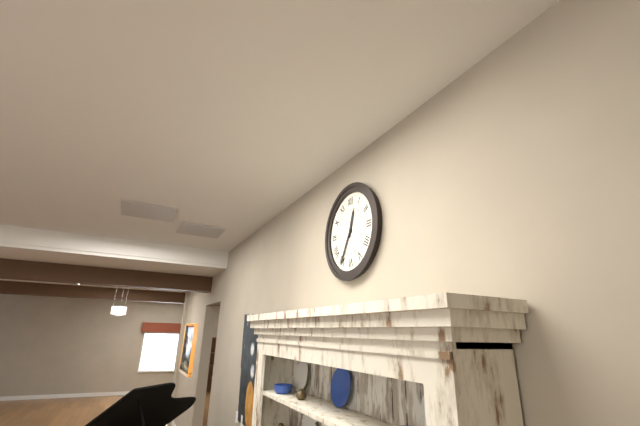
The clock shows h=12 m=35
